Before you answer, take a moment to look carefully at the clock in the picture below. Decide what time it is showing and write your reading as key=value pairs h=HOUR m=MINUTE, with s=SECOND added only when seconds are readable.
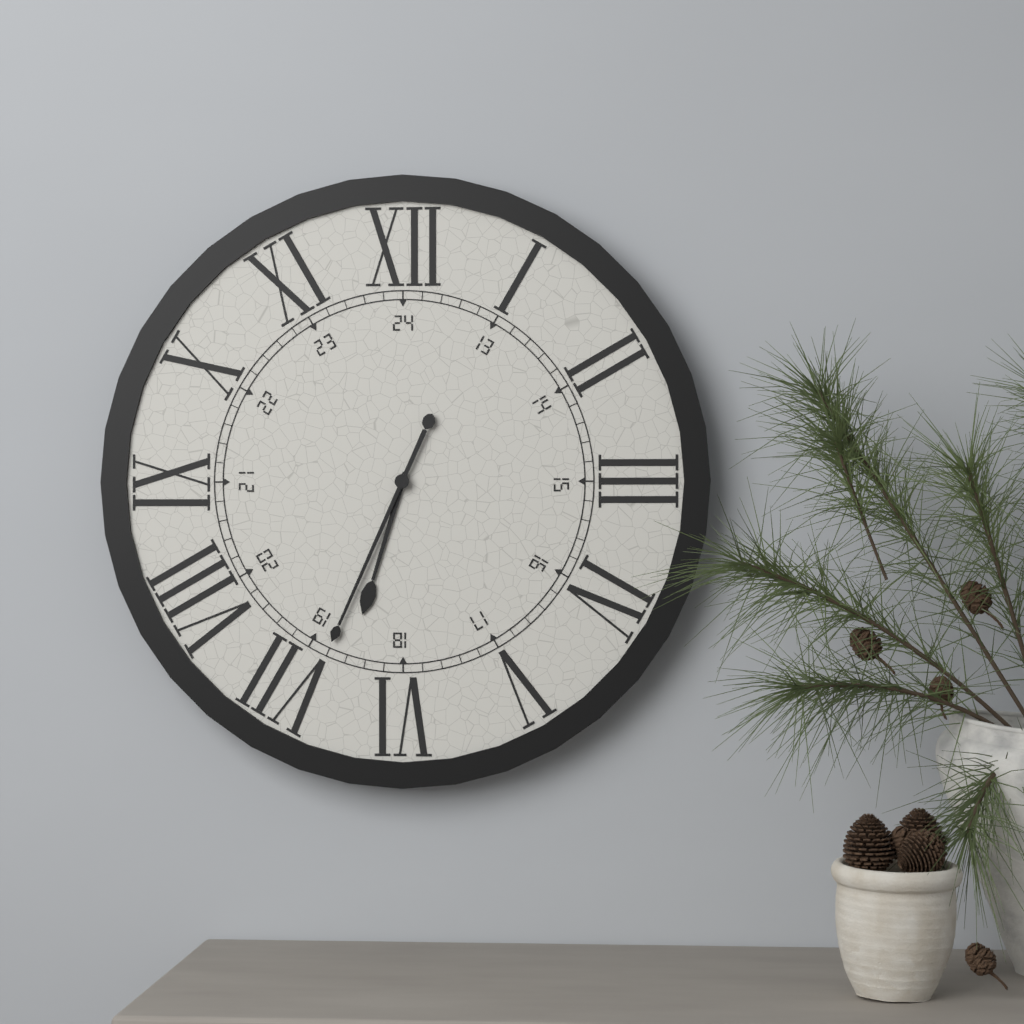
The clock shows h=6 m=34
